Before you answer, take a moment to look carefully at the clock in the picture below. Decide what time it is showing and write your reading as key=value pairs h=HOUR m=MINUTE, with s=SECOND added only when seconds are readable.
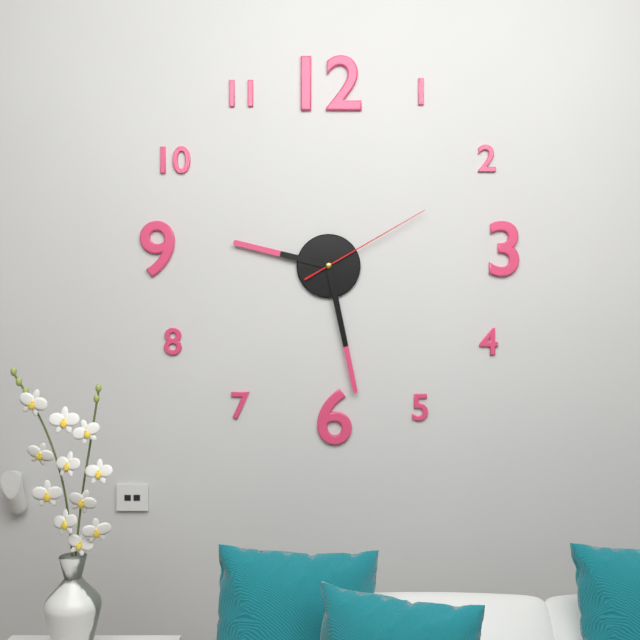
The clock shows h=9 m=28 s=10
